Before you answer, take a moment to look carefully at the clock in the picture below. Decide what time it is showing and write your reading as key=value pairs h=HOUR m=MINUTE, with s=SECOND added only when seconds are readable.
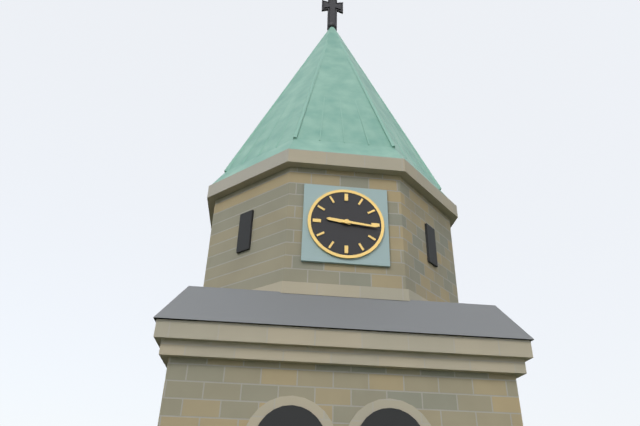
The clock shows h=9 m=16
